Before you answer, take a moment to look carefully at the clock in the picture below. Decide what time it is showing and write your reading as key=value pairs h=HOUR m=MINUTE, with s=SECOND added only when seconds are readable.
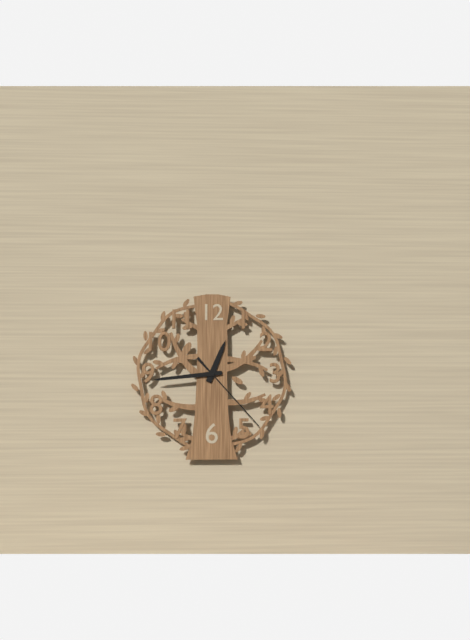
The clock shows h=12 m=44 s=23
